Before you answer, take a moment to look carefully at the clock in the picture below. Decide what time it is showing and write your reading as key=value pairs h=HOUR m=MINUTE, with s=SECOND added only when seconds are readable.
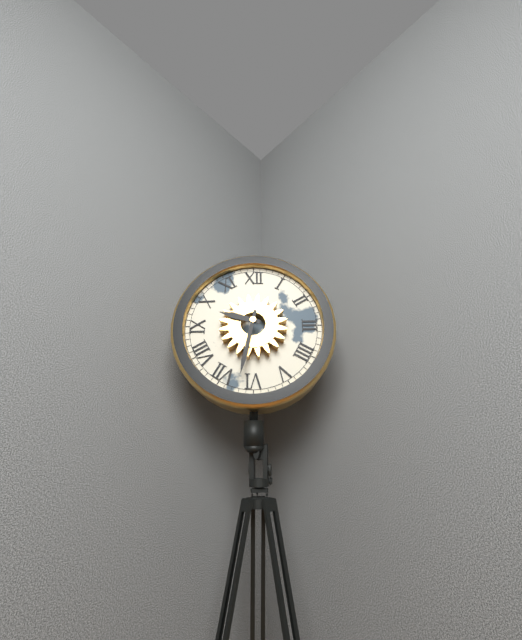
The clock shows h=9 m=32
